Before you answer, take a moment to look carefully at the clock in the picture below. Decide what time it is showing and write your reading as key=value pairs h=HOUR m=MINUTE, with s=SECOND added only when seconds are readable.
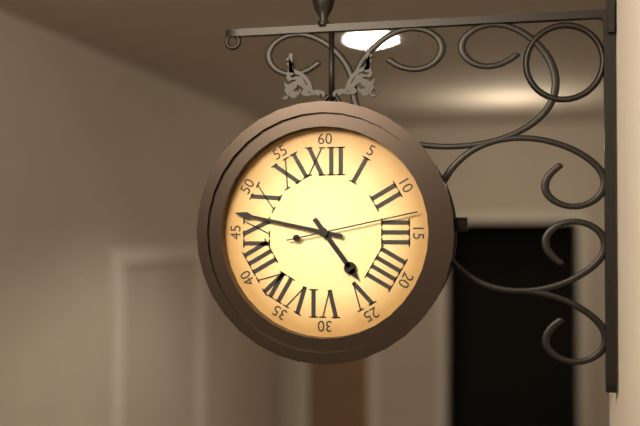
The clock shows h=4 m=47 s=13
